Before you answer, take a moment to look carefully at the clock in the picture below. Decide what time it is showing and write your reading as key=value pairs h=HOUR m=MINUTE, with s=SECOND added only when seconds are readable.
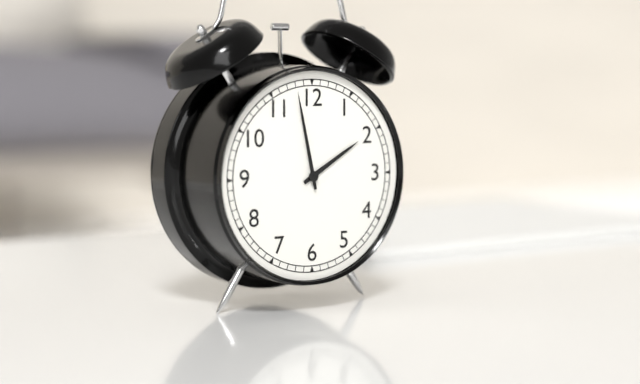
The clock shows h=1 m=58
